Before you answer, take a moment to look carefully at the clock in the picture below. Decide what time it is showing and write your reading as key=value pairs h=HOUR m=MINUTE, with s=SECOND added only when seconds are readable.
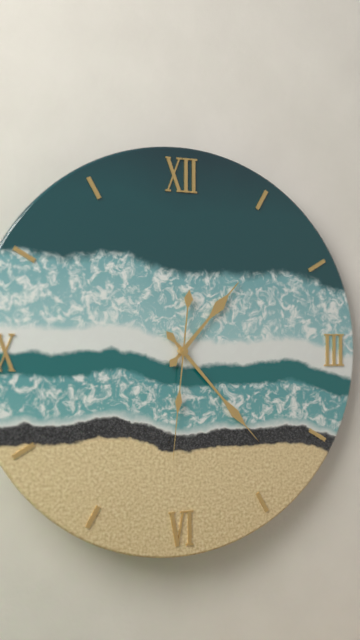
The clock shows h=1 m=23 s=31
